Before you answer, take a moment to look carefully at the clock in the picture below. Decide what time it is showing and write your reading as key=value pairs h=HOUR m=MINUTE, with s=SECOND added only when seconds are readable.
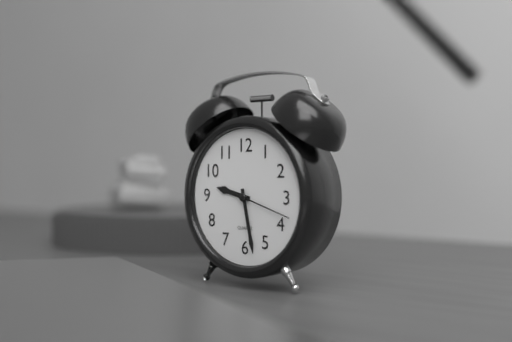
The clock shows h=9 m=28 s=18
